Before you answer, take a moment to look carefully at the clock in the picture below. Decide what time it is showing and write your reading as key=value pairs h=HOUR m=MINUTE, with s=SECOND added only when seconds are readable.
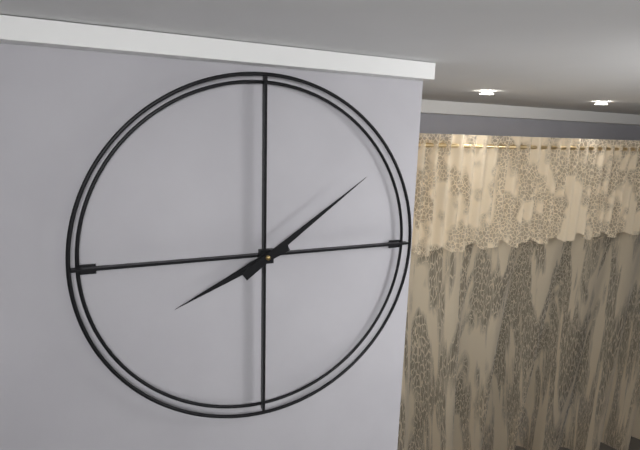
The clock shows h=8 m=9
